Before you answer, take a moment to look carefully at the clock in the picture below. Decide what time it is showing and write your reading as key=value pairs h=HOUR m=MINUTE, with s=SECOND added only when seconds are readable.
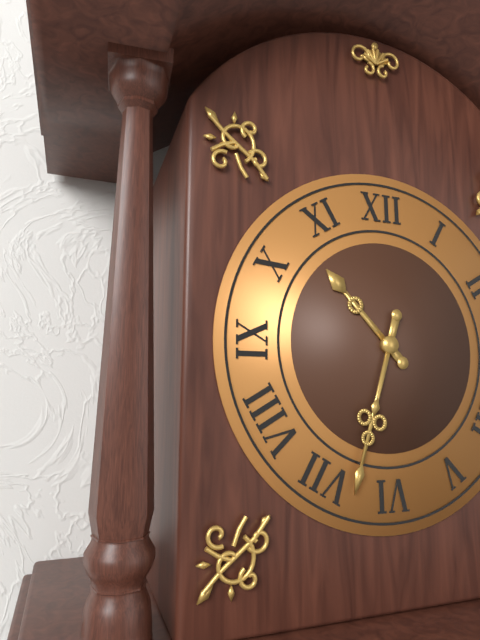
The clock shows h=10 m=33
